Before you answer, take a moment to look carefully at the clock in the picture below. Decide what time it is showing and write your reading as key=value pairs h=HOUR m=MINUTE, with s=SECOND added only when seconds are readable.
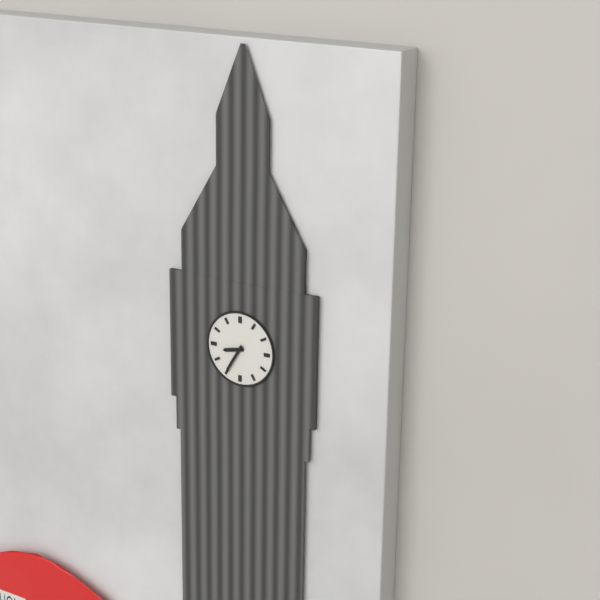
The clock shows h=8 m=35
